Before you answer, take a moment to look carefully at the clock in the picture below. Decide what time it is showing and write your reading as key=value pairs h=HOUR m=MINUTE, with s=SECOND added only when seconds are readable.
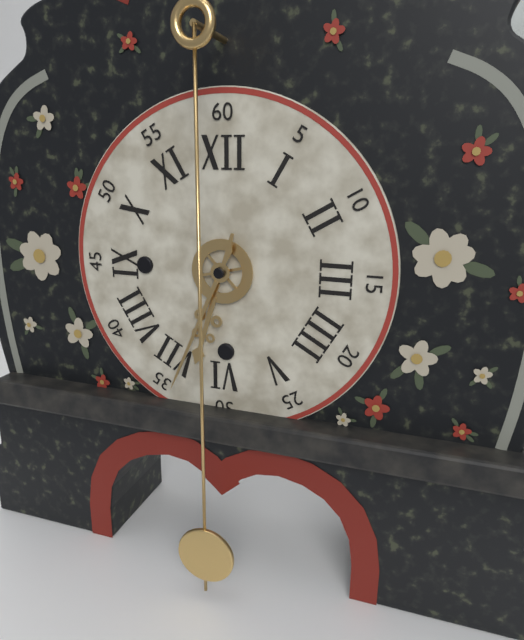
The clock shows h=6 m=34
